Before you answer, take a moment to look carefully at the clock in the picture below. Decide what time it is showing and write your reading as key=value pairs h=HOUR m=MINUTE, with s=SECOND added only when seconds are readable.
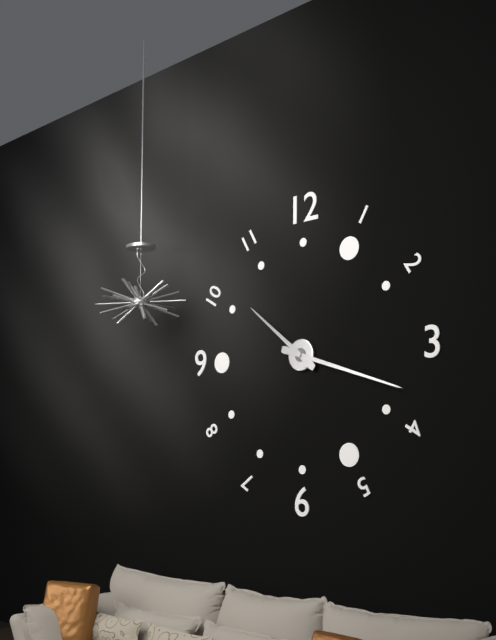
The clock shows h=10 m=18
